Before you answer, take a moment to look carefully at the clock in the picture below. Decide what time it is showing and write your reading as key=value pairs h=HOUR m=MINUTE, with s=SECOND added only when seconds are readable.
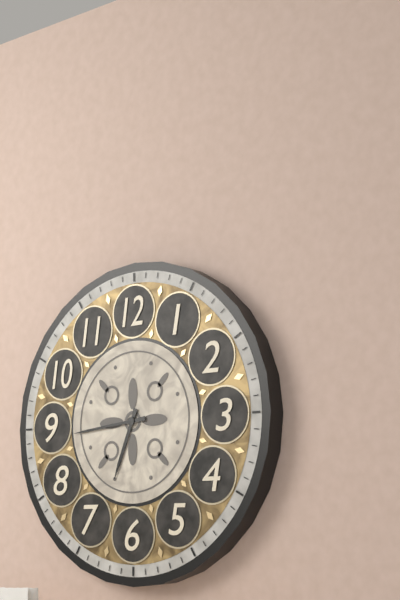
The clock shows h=6 m=44
